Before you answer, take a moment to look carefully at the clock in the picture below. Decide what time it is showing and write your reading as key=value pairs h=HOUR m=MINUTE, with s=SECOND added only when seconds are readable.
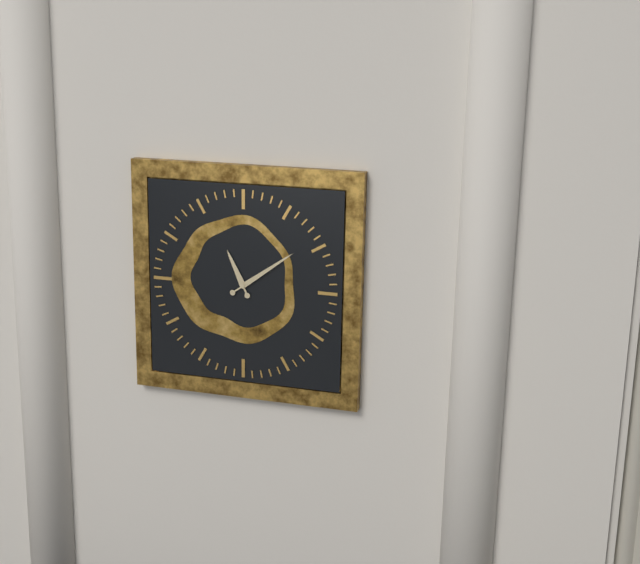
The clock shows h=11 m=9
